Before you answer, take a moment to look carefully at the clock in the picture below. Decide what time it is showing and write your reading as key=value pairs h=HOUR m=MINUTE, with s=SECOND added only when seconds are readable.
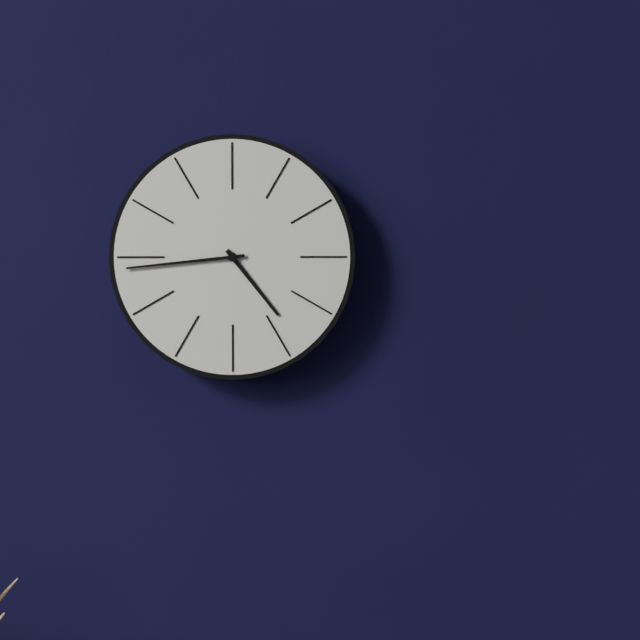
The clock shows h=4 m=44
